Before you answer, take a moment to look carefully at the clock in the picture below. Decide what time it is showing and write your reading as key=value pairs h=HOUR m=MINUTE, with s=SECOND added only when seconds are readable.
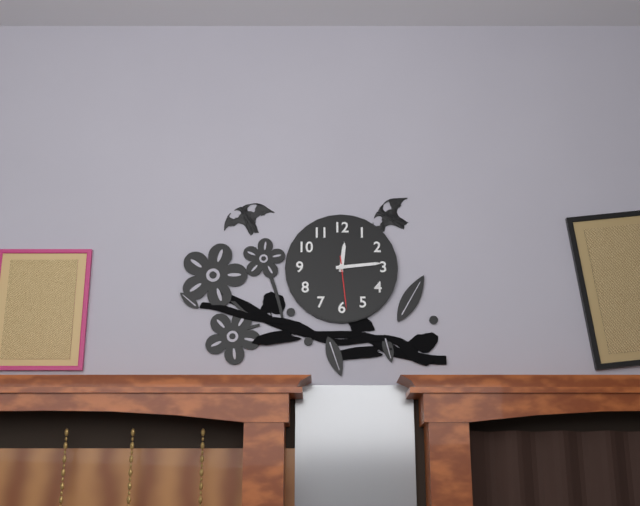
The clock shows h=12 m=14 s=29
